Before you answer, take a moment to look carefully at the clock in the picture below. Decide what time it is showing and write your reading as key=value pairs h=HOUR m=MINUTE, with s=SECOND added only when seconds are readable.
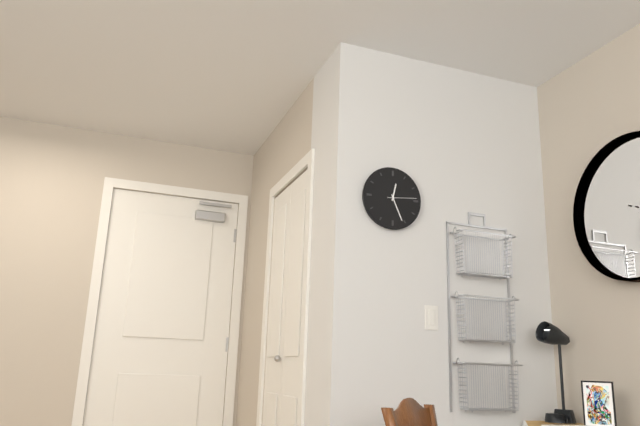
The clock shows h=12 m=26
